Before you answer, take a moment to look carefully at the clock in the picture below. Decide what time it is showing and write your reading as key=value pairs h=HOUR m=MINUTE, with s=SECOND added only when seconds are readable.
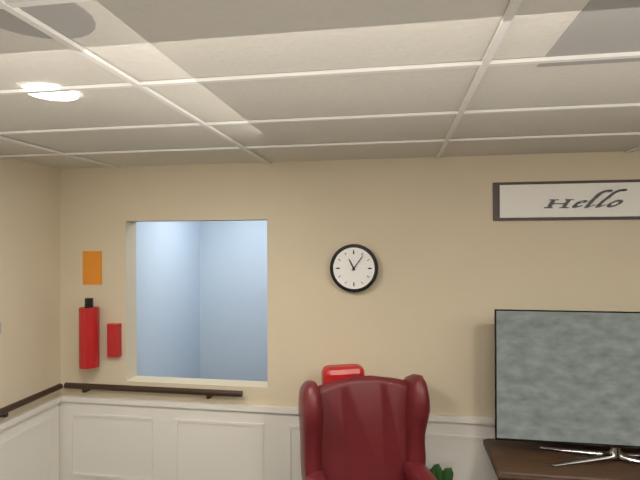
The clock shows h=11 m=6
